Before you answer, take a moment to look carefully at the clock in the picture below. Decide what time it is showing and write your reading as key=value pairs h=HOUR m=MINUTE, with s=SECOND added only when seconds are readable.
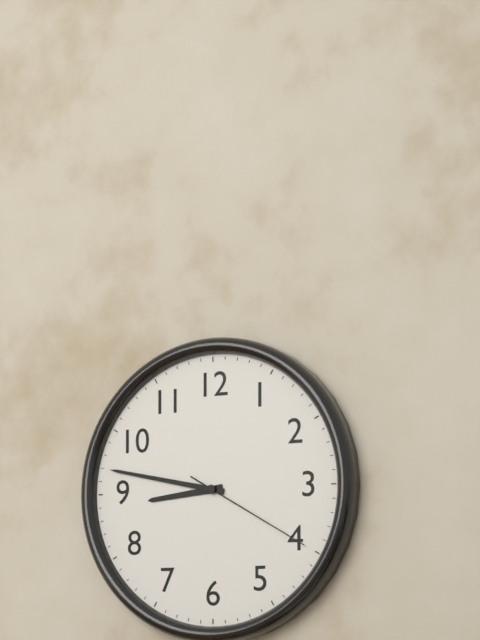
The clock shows h=8 m=47 s=20
